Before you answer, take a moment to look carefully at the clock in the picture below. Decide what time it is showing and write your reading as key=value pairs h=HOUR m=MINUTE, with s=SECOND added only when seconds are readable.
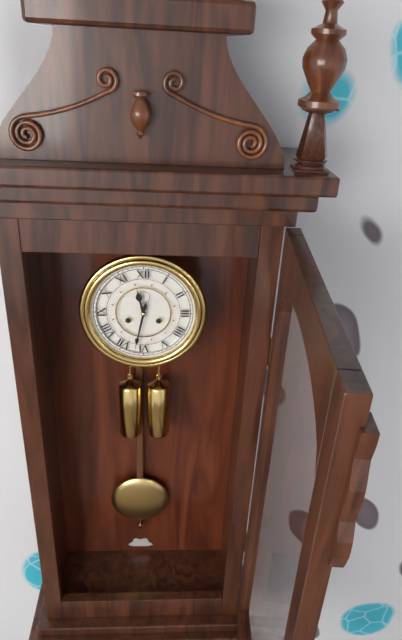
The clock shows h=11 m=32
